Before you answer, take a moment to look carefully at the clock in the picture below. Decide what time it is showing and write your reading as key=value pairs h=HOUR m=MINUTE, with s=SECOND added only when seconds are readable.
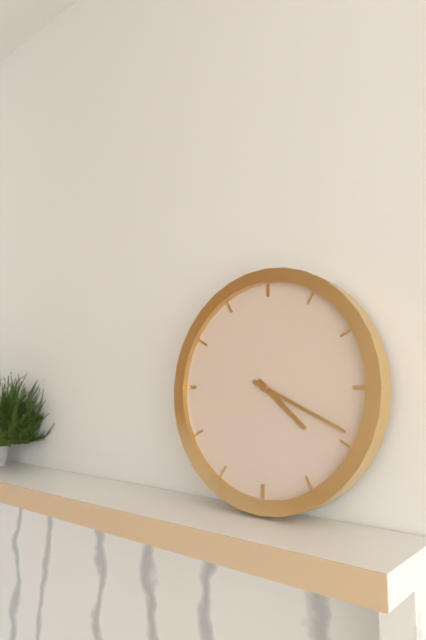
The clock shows h=4 m=19
